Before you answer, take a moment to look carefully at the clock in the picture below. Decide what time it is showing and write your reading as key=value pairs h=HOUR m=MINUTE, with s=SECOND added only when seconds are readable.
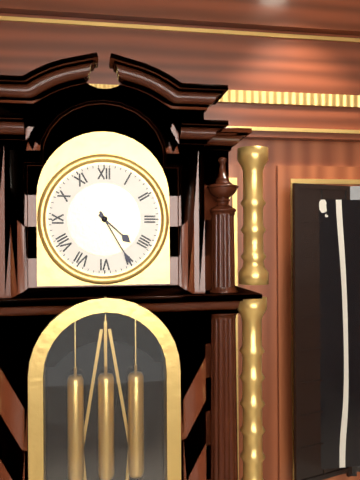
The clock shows h=4 m=25
